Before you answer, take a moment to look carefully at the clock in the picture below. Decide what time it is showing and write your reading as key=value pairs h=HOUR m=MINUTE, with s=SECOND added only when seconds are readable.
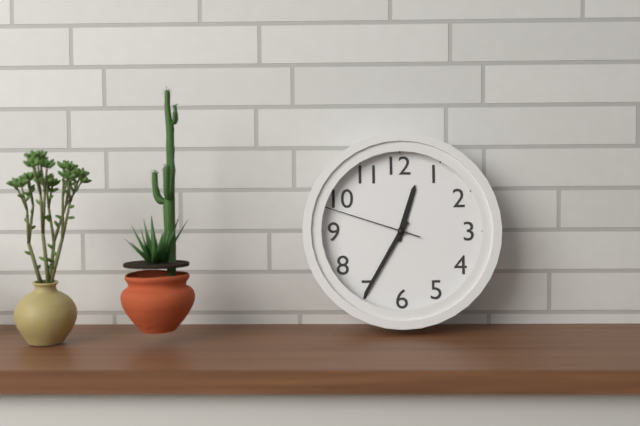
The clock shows h=12 m=35 s=48
